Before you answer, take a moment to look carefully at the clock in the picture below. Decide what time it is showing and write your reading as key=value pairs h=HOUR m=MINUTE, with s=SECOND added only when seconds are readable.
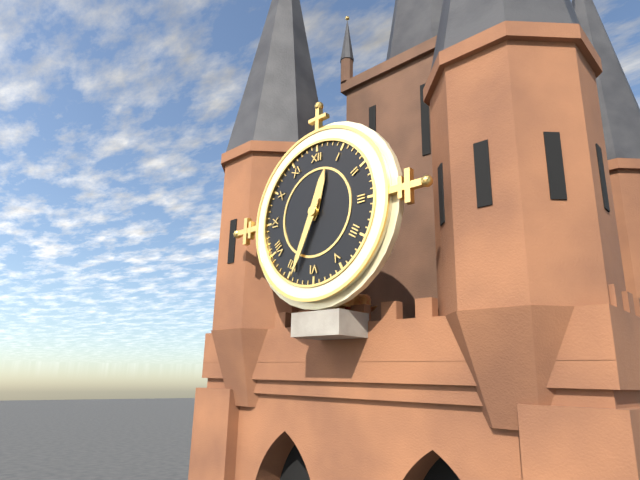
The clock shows h=12 m=34
